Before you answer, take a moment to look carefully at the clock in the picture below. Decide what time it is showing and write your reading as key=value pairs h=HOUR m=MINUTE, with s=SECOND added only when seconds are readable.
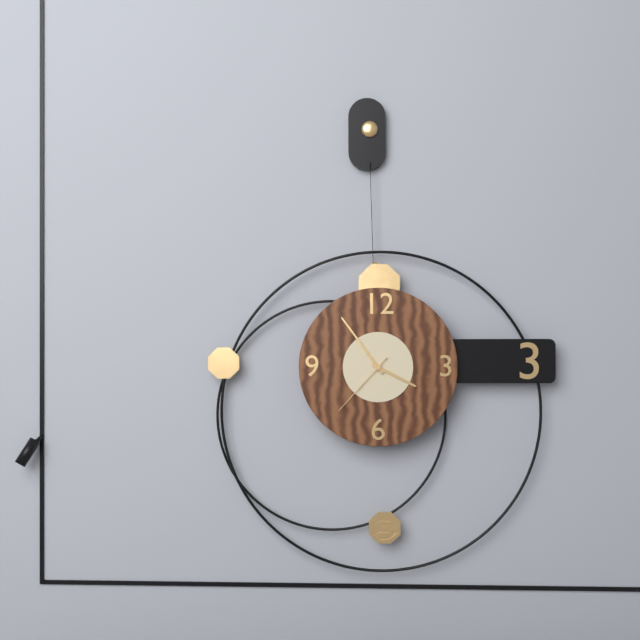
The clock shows h=3 m=54 s=37
